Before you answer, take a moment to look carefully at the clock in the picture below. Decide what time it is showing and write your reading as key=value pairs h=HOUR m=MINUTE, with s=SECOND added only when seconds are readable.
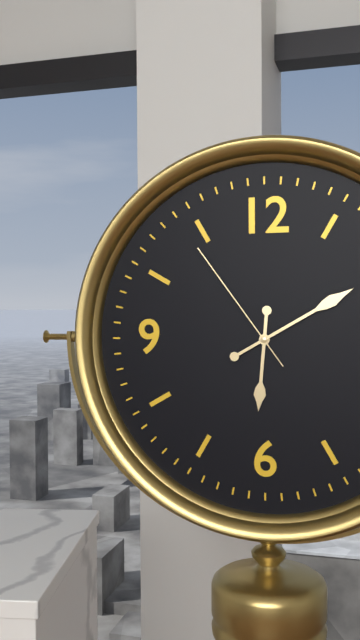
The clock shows h=6 m=10 s=54
